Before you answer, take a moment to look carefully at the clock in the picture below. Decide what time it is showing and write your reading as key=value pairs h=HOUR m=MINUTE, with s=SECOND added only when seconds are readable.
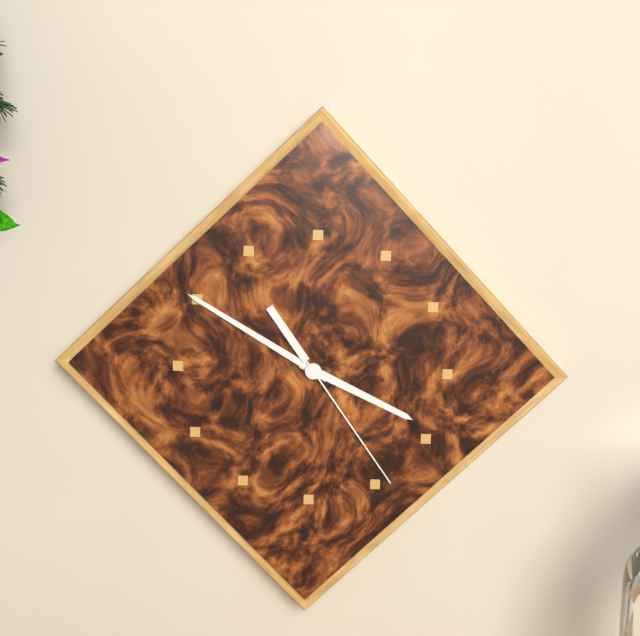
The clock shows h=3 m=50 s=24
